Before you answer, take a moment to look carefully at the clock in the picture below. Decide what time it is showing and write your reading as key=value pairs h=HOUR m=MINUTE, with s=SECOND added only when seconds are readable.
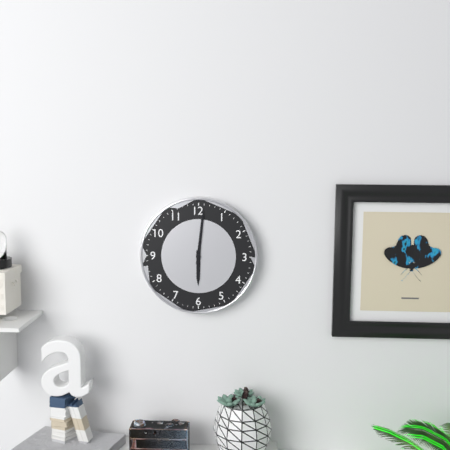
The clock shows h=6 m=1
